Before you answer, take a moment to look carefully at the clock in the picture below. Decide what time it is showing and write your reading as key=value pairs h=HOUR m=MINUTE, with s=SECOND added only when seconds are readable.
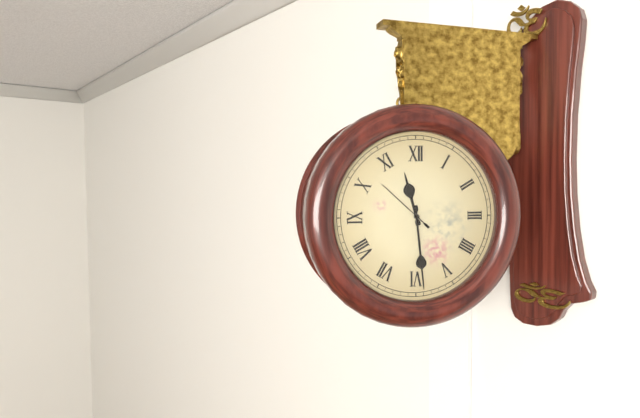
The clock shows h=11 m=29
